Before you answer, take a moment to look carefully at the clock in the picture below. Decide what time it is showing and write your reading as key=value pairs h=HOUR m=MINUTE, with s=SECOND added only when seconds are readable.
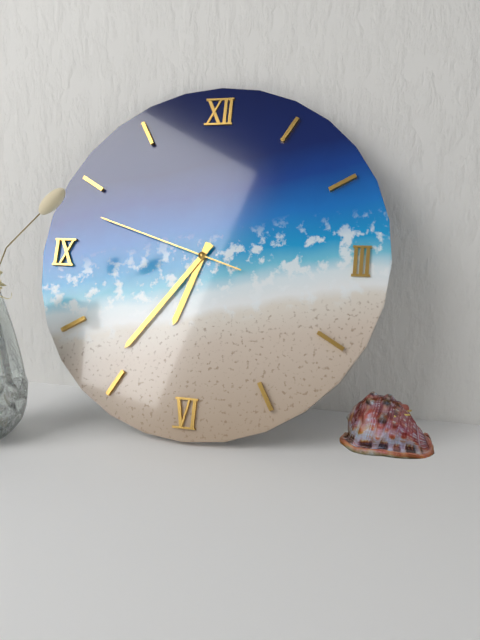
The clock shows h=6 m=36 s=48
